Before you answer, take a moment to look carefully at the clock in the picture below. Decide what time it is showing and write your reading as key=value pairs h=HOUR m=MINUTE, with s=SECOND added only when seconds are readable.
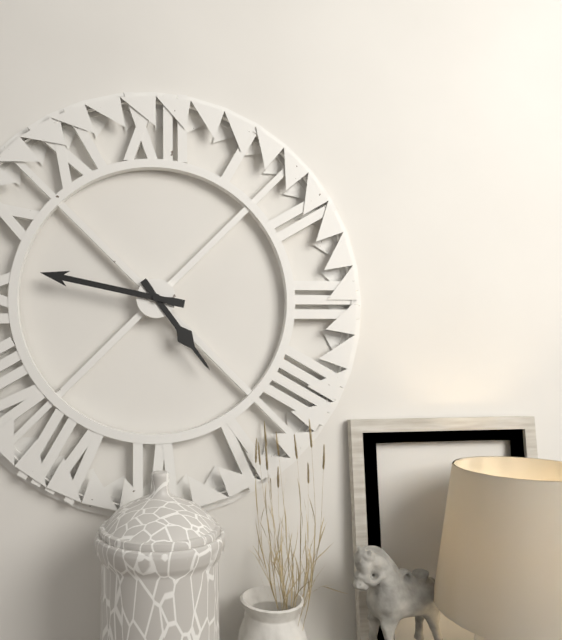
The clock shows h=4 m=47
